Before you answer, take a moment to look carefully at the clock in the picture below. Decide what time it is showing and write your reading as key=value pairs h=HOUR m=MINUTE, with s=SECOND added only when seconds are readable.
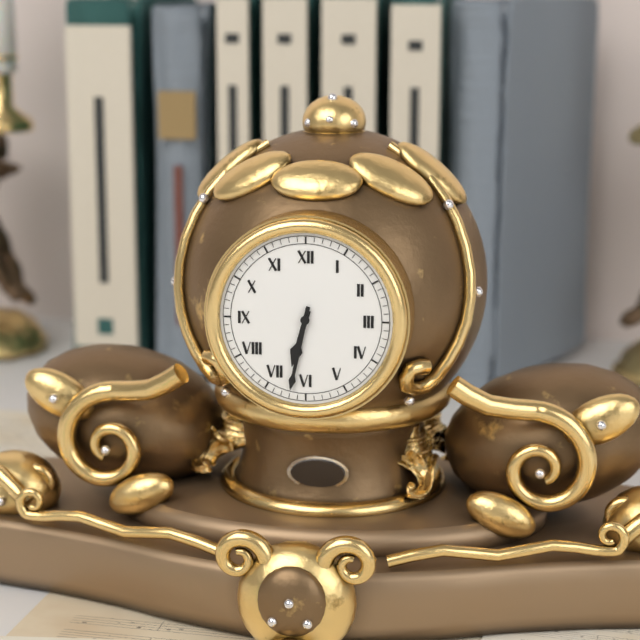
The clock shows h=6 m=32
